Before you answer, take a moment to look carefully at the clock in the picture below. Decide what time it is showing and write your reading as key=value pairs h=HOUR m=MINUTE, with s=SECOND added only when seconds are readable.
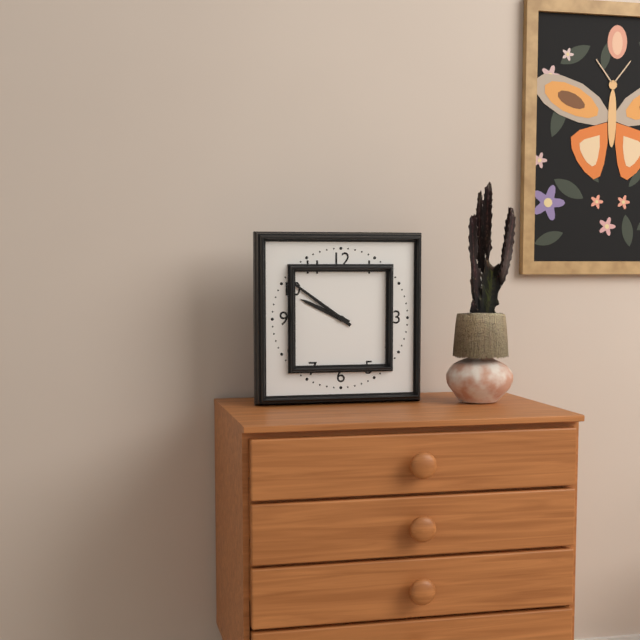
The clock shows h=9 m=51
